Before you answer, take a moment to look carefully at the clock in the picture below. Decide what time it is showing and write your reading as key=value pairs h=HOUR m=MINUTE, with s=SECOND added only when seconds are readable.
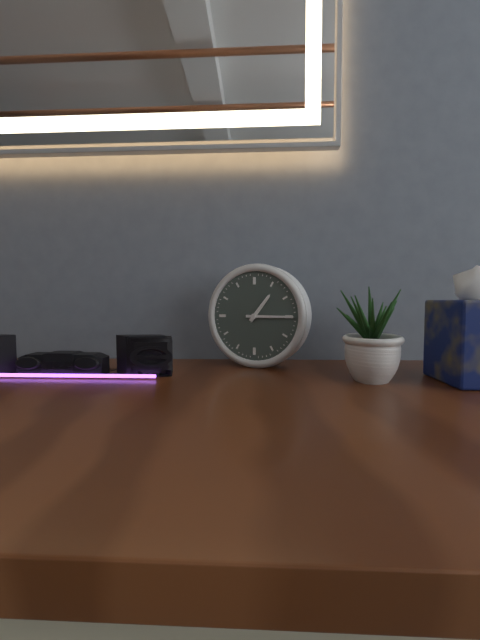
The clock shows h=1 m=15
